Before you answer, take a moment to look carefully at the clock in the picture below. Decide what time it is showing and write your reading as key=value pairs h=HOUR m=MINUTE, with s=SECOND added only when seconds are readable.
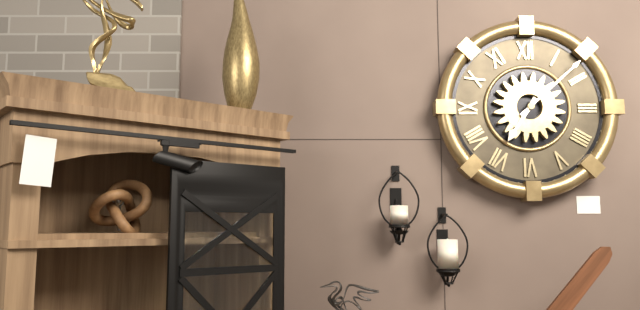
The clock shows h=7 m=8
